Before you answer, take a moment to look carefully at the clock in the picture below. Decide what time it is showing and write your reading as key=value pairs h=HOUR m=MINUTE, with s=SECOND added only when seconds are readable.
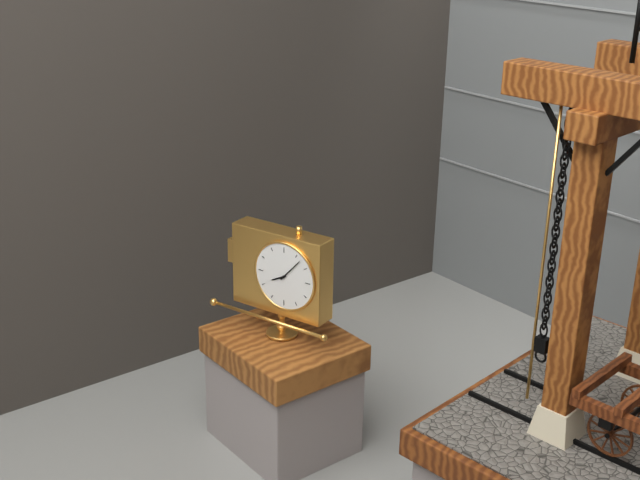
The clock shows h=8 m=7
